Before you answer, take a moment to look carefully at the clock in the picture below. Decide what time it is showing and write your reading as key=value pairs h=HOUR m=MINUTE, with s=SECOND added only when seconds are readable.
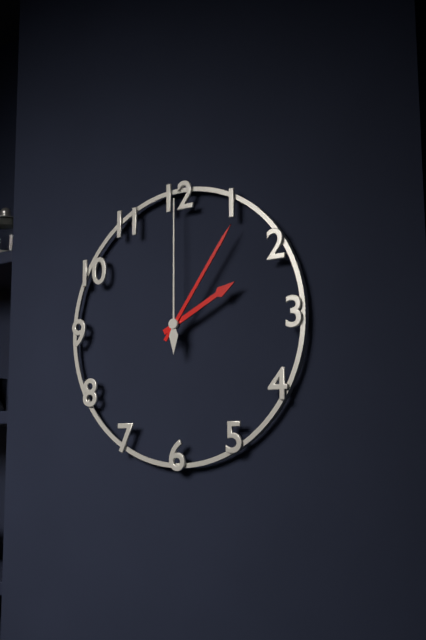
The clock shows h=2 m=6 s=0
